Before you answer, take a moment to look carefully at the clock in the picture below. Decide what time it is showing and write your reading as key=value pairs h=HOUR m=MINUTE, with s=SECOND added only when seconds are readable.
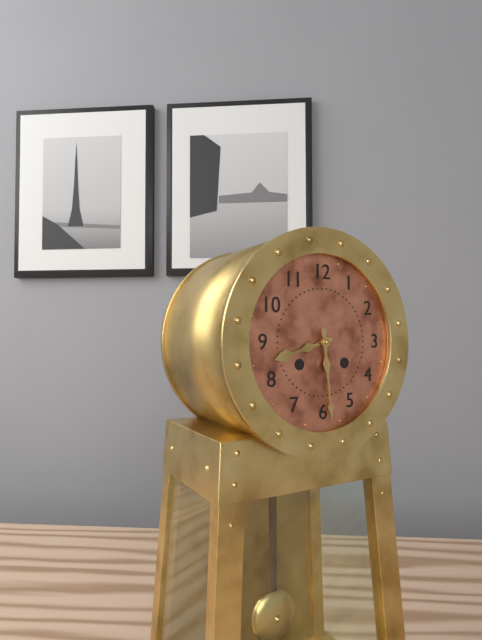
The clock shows h=8 m=29
